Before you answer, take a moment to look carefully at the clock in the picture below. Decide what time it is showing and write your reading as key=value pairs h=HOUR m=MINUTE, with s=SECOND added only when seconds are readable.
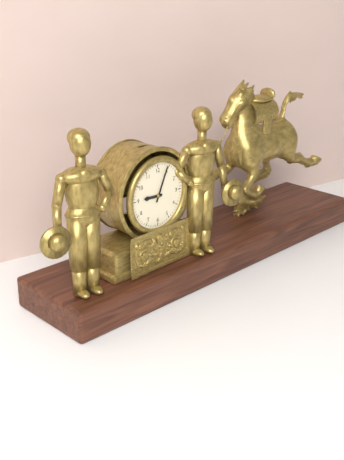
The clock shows h=9 m=4
